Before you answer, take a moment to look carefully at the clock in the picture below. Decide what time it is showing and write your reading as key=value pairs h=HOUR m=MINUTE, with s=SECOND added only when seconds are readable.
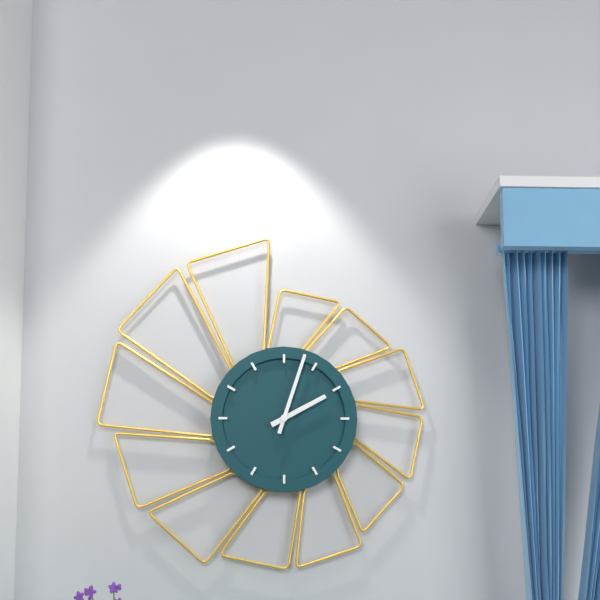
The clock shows h=2 m=3
